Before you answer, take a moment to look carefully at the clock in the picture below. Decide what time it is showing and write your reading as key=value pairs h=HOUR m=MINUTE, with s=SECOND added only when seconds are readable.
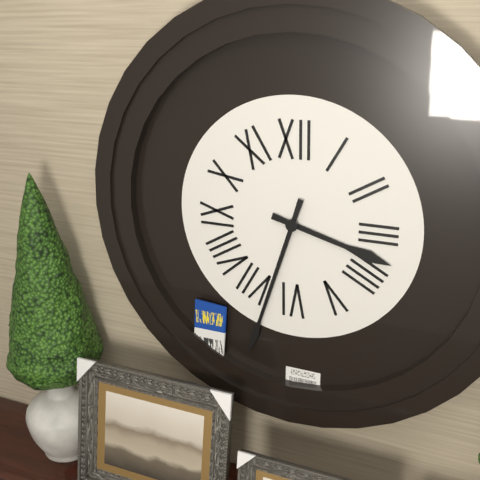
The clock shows h=3 m=33
